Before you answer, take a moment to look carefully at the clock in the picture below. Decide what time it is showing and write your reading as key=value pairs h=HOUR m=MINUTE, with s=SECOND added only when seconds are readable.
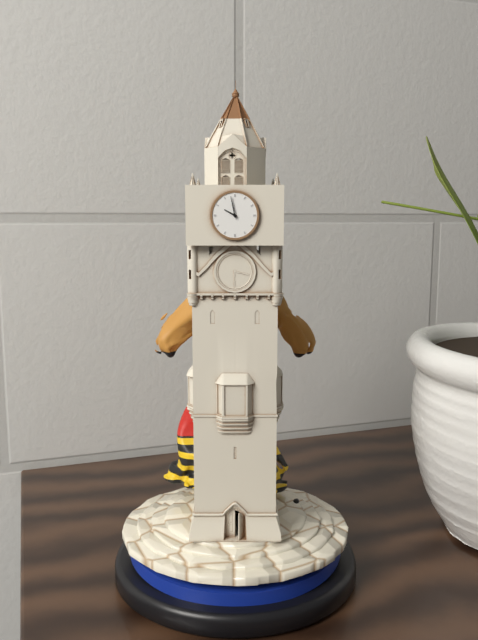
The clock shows h=9 m=58
